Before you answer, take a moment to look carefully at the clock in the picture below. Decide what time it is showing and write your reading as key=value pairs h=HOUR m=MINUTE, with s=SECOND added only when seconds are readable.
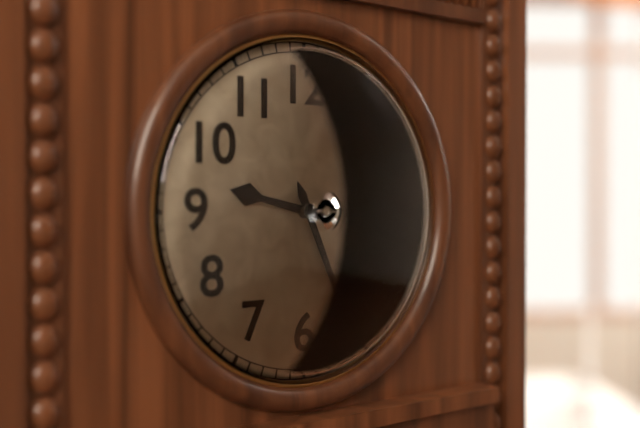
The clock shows h=9 m=26
